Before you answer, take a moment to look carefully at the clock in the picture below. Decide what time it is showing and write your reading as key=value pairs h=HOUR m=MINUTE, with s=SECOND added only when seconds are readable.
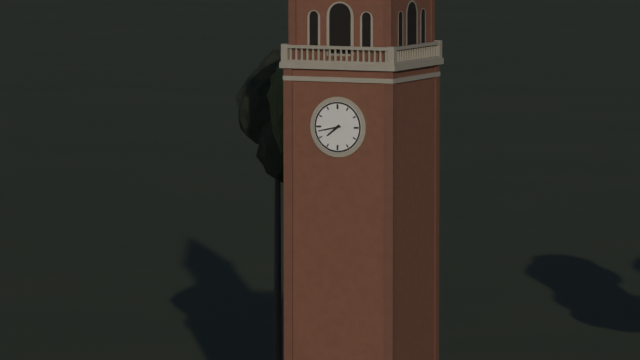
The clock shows h=7 m=43
